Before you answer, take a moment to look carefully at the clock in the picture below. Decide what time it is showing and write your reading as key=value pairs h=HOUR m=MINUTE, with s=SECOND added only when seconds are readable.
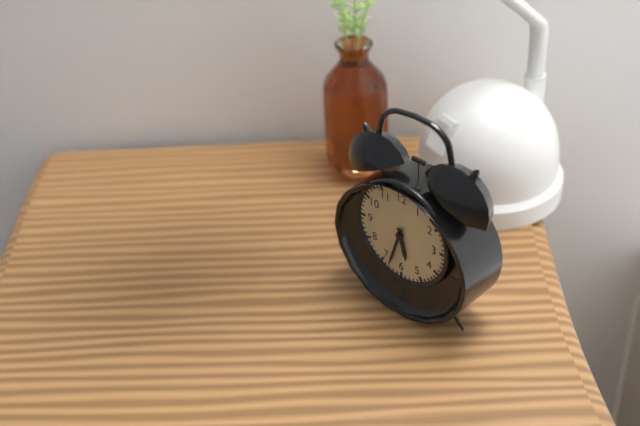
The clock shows h=5 m=33
